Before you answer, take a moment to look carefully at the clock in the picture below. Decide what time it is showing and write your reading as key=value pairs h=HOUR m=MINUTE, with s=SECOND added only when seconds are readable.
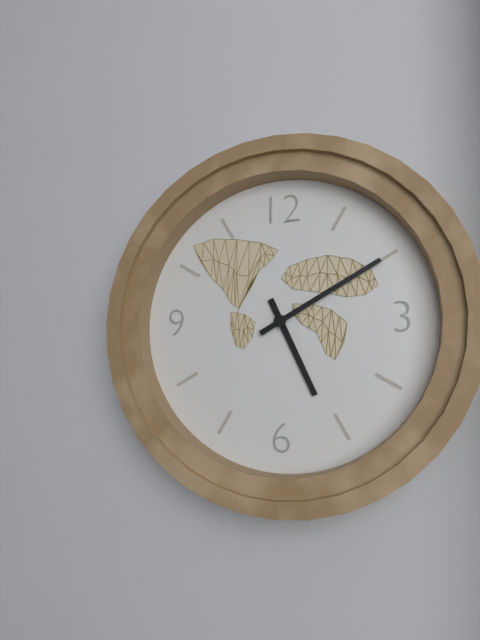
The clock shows h=5 m=10
